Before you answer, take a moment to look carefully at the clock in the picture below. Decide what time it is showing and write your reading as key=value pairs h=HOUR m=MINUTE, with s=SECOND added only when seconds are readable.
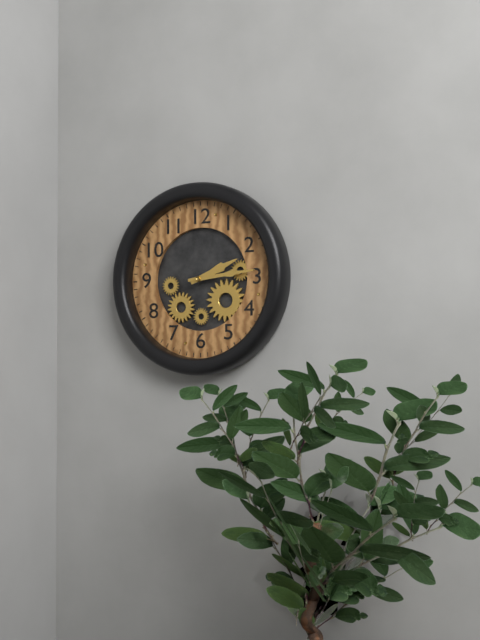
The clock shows h=2 m=14
